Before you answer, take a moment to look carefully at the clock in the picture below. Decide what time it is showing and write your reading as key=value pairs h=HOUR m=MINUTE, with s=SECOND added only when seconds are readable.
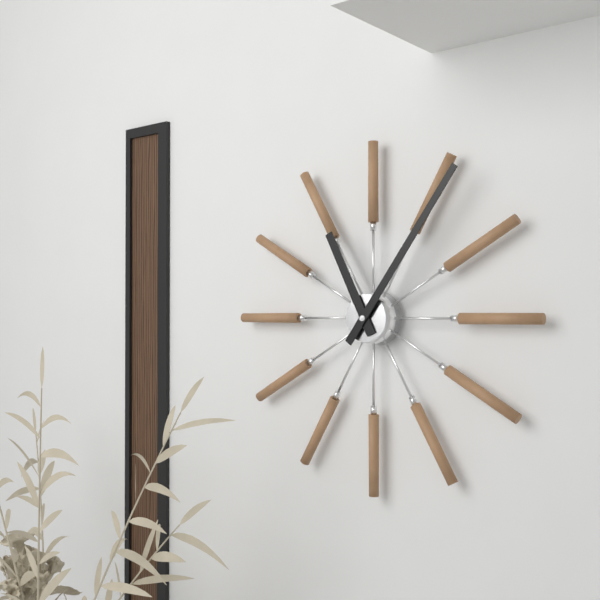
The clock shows h=11 m=6
